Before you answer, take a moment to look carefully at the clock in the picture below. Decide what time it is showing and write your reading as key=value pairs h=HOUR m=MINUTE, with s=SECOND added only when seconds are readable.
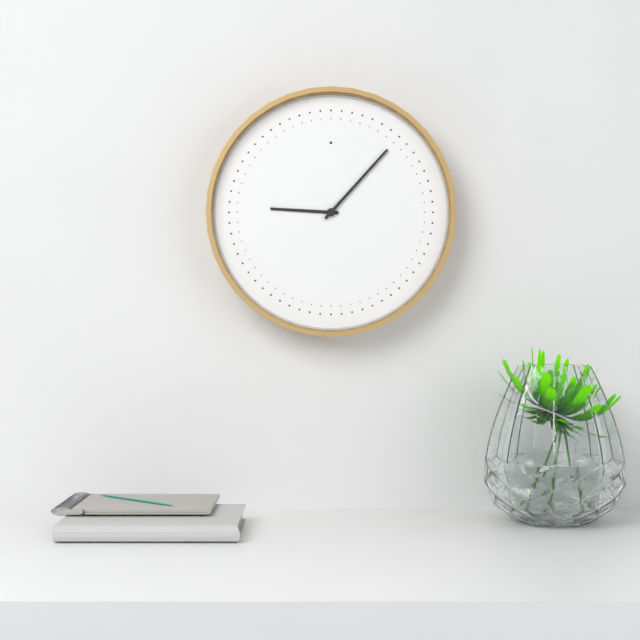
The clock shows h=9 m=7
